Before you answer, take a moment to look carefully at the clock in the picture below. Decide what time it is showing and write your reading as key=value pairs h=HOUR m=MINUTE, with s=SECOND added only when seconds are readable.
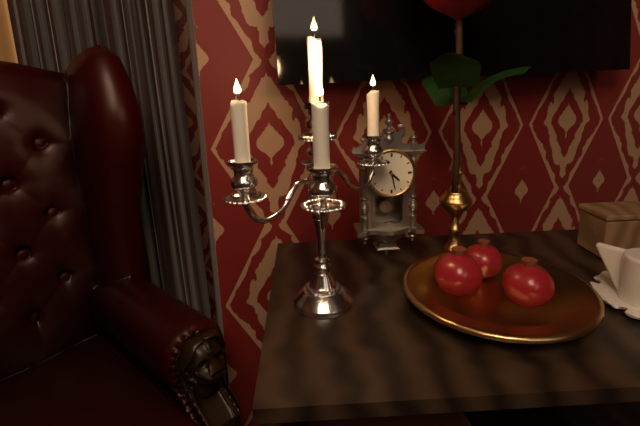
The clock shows h=4 m=28
